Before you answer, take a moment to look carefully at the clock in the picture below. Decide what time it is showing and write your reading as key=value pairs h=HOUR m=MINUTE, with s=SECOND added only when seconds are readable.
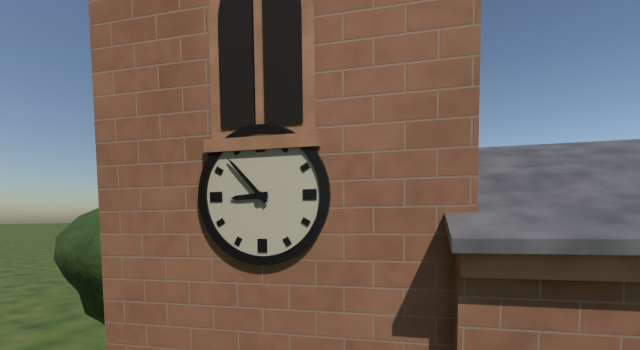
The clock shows h=8 m=53
